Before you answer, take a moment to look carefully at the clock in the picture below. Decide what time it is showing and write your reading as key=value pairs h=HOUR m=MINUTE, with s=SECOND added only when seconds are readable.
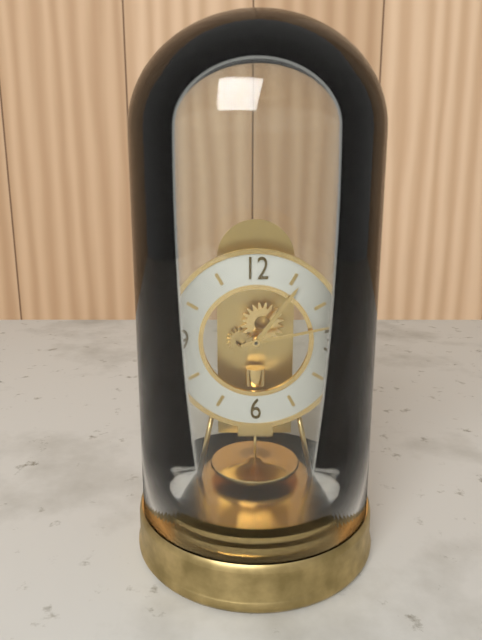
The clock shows h=1 m=13
